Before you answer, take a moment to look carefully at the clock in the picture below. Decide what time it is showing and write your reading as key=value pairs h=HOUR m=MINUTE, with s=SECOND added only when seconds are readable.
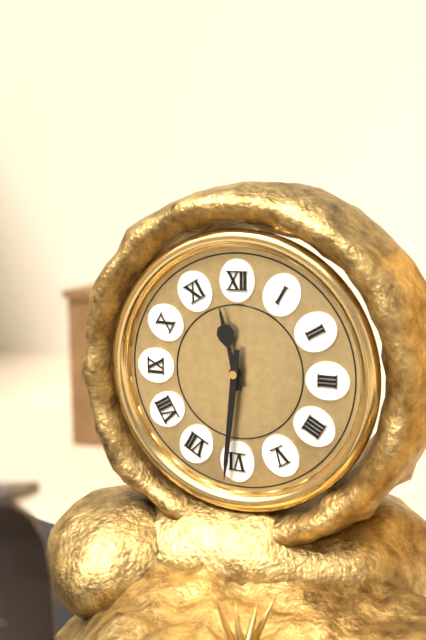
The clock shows h=11 m=31
